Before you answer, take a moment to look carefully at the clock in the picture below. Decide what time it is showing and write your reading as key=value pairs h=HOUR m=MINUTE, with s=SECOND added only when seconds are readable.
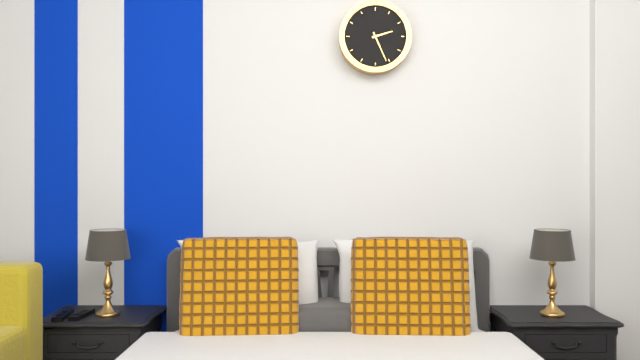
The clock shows h=2 m=26
